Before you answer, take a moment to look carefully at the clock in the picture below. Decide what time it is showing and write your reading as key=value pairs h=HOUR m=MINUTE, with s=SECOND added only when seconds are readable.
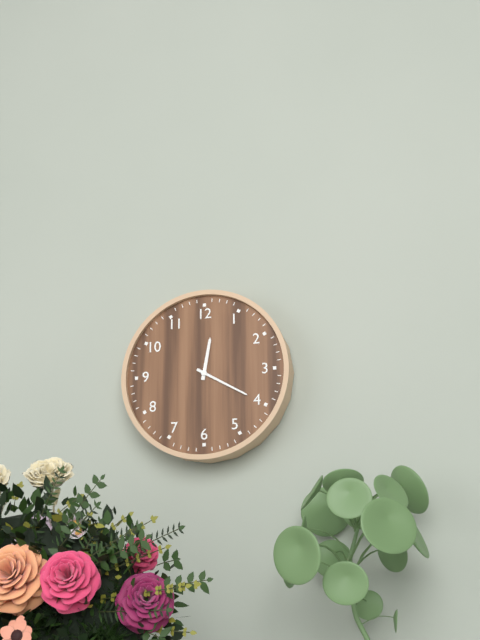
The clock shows h=12 m=20
